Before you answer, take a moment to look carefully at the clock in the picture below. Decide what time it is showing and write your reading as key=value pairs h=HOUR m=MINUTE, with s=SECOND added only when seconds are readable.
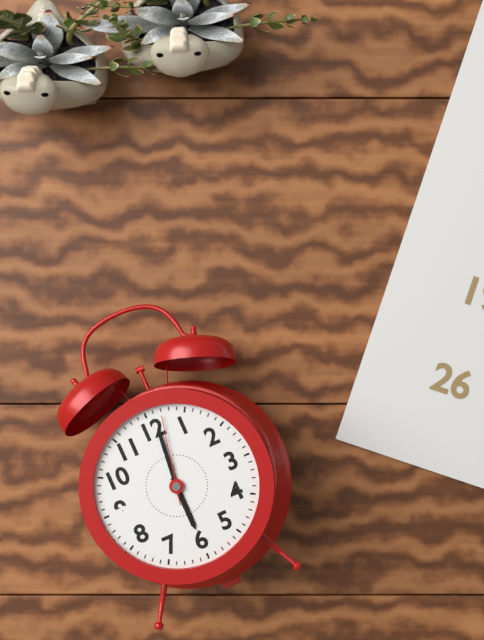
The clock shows h=6 m=1 s=2
